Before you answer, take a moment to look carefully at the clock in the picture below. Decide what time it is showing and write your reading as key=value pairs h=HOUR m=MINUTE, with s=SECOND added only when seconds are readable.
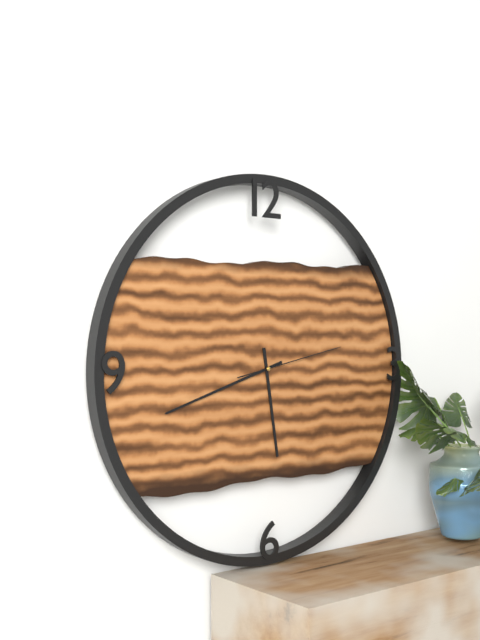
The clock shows h=5 m=42 s=13
